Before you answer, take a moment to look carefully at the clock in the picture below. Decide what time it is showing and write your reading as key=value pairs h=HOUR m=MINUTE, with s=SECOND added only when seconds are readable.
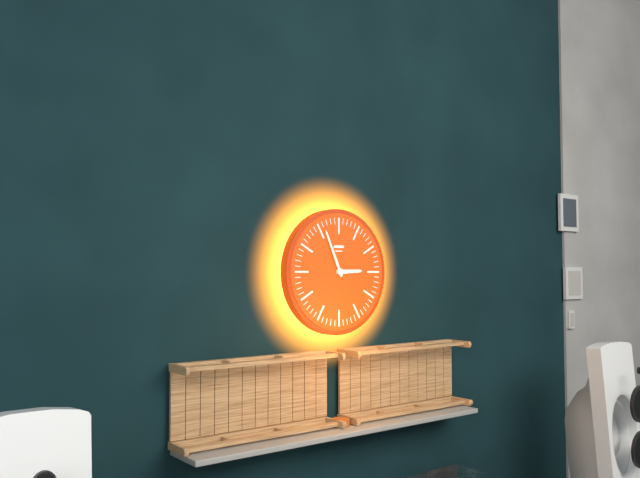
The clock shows h=2 m=56
